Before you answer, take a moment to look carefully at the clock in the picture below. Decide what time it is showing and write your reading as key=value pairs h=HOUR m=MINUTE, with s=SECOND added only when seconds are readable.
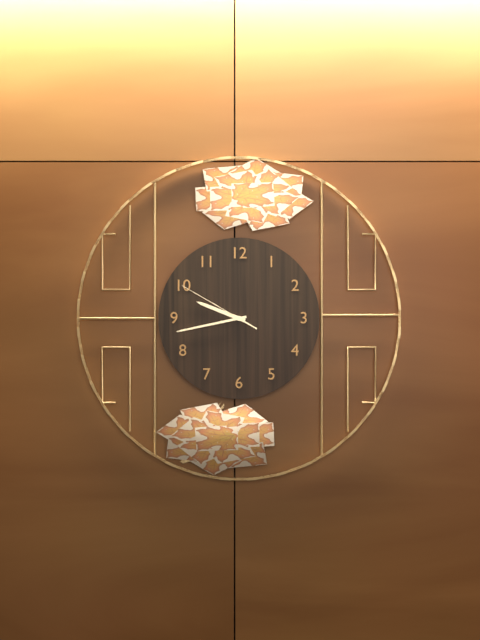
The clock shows h=9 m=43 s=50
